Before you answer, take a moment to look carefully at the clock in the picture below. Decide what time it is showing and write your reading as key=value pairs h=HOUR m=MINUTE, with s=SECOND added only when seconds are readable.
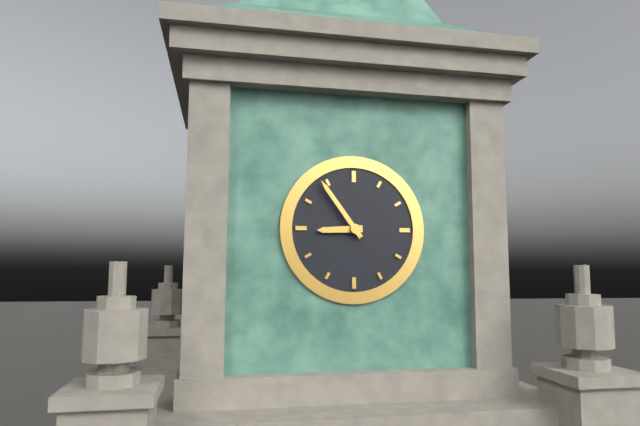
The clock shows h=8 m=54
